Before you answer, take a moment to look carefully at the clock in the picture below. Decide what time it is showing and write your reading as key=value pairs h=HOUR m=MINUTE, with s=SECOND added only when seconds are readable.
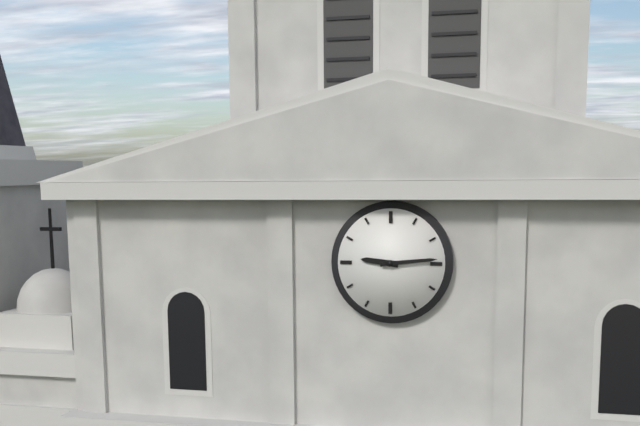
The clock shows h=9 m=14
